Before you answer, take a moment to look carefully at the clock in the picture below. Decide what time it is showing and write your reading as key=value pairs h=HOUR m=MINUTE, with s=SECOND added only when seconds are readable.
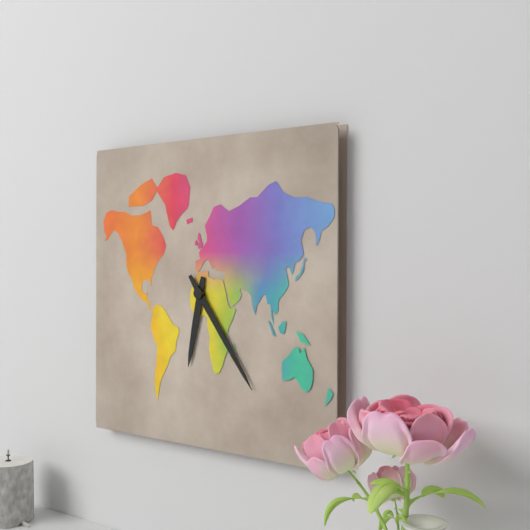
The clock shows h=6 m=24
